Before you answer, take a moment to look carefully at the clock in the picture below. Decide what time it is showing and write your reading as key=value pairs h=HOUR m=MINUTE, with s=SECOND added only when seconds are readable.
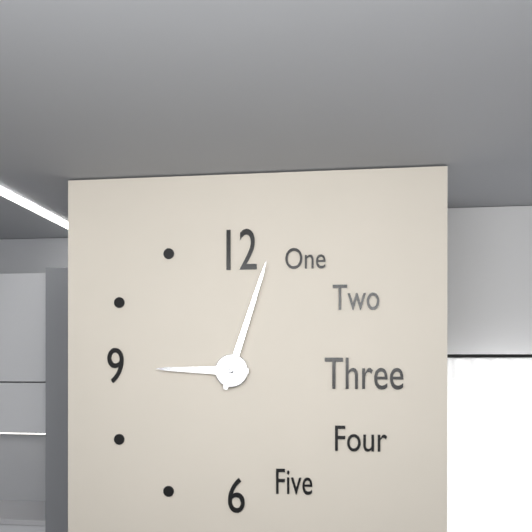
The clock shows h=9 m=3
